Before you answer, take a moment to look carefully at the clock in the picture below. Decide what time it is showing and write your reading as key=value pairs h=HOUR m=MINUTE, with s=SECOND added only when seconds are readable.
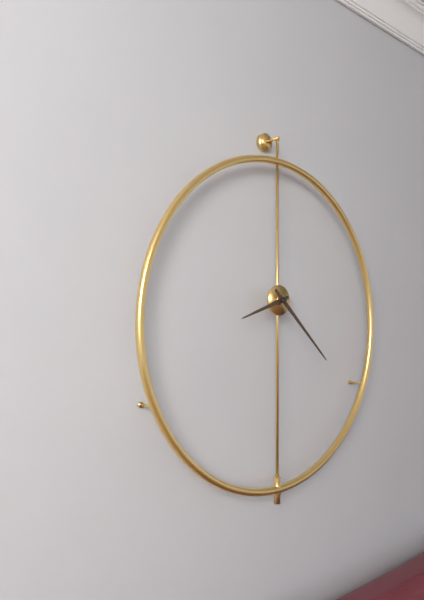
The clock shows h=8 m=22
